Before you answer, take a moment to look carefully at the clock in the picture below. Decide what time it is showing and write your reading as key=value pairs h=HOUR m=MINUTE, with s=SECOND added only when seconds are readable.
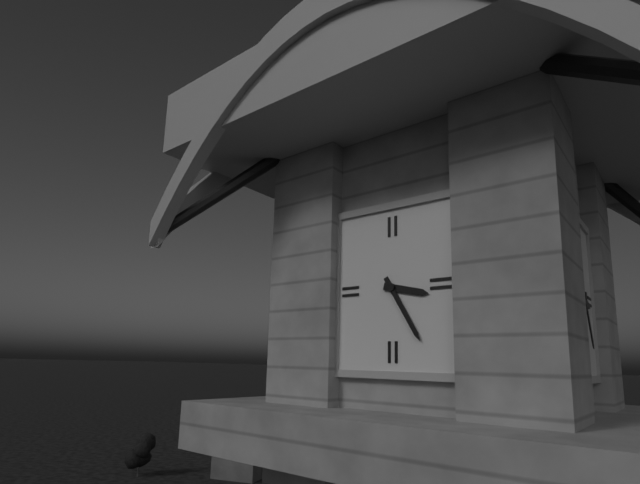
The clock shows h=3 m=25
